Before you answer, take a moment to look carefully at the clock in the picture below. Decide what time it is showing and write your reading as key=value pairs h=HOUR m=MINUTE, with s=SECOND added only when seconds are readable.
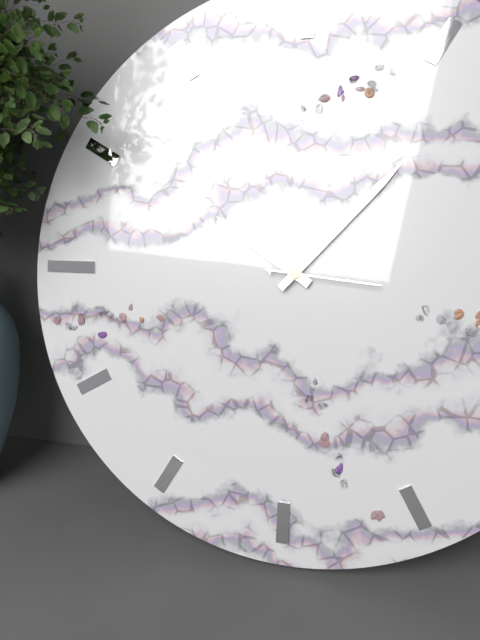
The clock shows h=10 m=7 s=16
